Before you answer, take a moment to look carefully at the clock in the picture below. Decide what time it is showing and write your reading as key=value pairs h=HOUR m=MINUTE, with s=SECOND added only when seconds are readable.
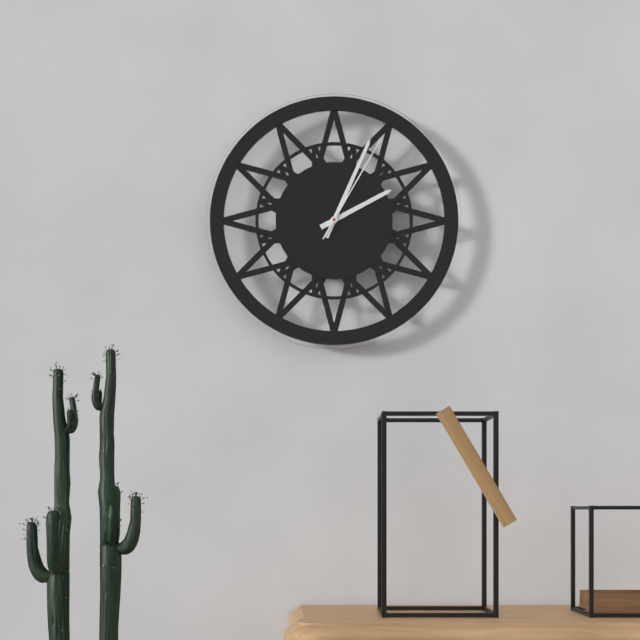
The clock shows h=2 m=4 s=5
